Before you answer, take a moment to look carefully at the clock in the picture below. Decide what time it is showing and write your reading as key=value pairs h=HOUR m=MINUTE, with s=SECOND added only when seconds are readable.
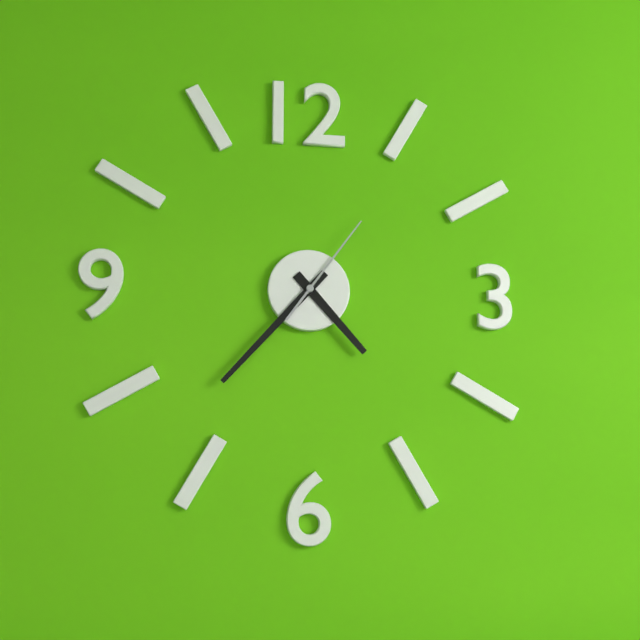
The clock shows h=4 m=37 s=6
